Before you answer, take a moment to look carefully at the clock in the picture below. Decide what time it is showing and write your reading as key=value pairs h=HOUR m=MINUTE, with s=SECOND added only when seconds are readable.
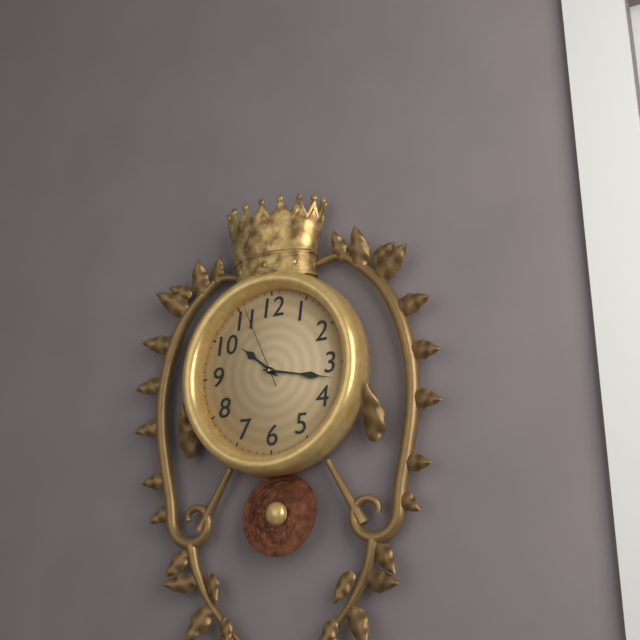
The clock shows h=10 m=17 s=56
